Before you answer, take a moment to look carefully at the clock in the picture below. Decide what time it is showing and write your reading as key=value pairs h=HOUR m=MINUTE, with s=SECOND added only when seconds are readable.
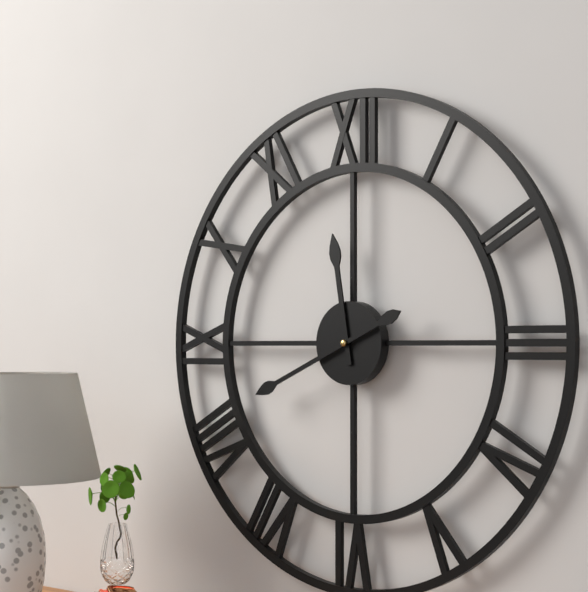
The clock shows h=11 m=41
